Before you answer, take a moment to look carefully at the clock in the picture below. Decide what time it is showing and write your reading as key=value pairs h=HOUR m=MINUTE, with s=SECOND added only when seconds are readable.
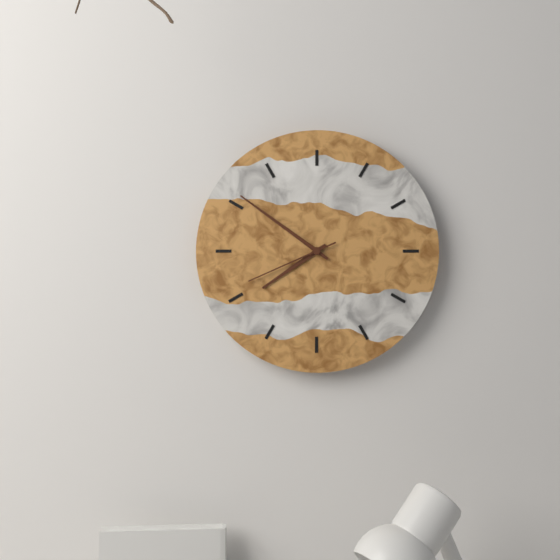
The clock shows h=7 m=51 s=41
